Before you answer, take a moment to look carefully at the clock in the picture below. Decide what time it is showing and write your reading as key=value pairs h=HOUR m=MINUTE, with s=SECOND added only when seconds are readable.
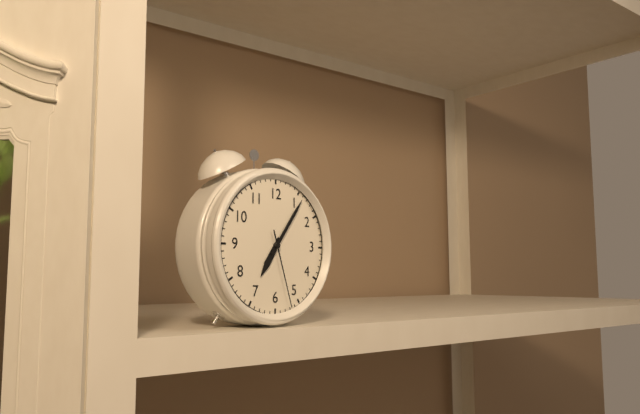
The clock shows h=7 m=6 s=27
